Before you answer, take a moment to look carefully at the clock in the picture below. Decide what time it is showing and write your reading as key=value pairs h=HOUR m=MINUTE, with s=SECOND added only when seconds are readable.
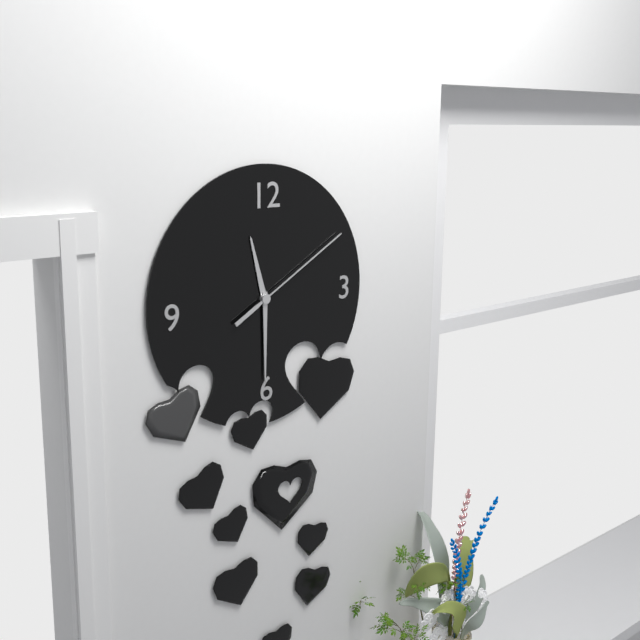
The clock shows h=11 m=30 s=10
